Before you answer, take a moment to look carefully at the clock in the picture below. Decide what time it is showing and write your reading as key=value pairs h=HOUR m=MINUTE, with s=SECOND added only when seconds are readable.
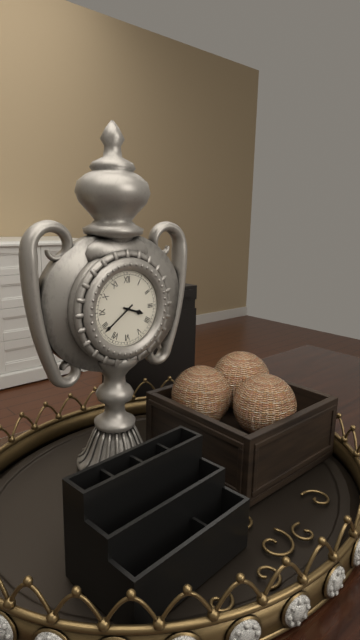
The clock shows h=3 m=39
